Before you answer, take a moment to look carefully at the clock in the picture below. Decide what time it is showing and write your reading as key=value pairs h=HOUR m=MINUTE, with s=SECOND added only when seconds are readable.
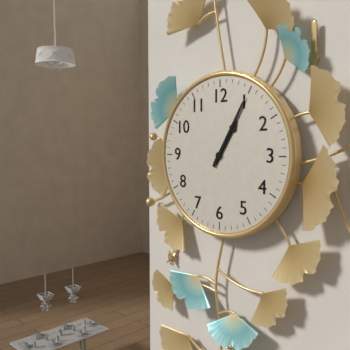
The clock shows h=1 m=5
